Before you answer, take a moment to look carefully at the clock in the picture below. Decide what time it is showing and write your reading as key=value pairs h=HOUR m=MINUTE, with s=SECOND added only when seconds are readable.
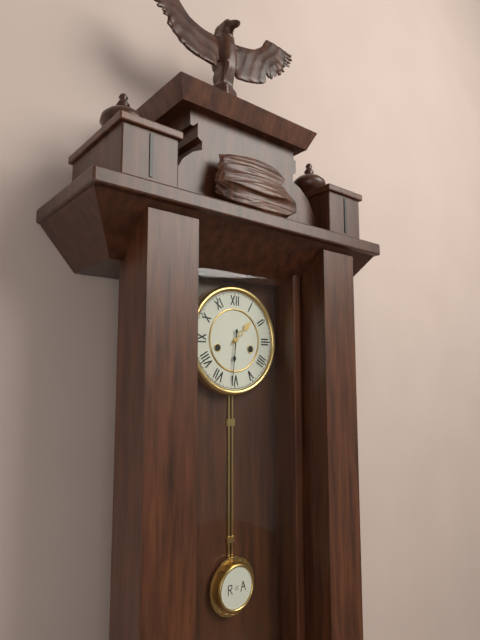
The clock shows h=1 m=31
